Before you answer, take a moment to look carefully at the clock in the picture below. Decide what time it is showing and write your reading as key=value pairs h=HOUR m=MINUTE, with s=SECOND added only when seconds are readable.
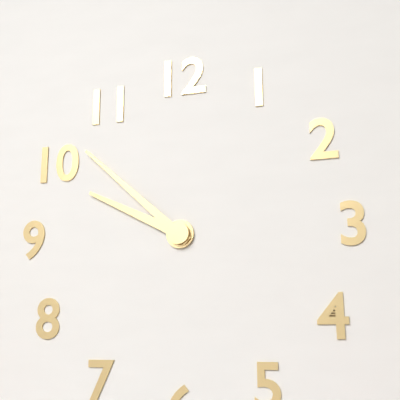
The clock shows h=9 m=52
